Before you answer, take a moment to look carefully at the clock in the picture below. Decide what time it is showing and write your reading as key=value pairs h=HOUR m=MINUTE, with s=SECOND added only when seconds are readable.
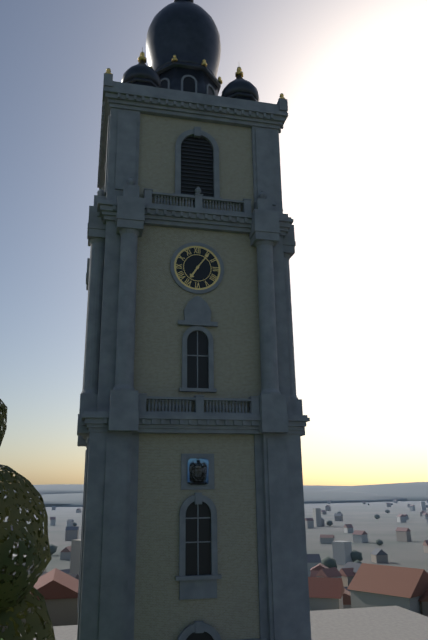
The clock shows h=7 m=6
